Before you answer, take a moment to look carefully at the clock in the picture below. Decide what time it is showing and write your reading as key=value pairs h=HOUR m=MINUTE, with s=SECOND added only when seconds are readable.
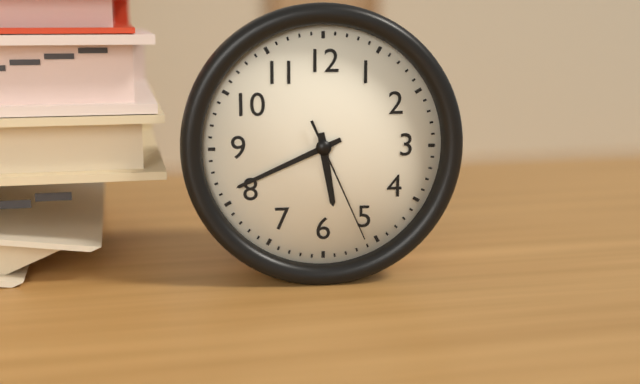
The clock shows h=5 m=41 s=26
